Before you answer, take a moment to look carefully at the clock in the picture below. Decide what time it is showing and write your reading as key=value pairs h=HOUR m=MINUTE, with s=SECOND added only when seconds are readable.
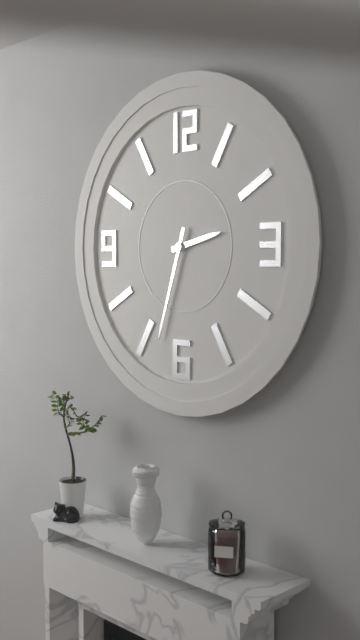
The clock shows h=2 m=33
